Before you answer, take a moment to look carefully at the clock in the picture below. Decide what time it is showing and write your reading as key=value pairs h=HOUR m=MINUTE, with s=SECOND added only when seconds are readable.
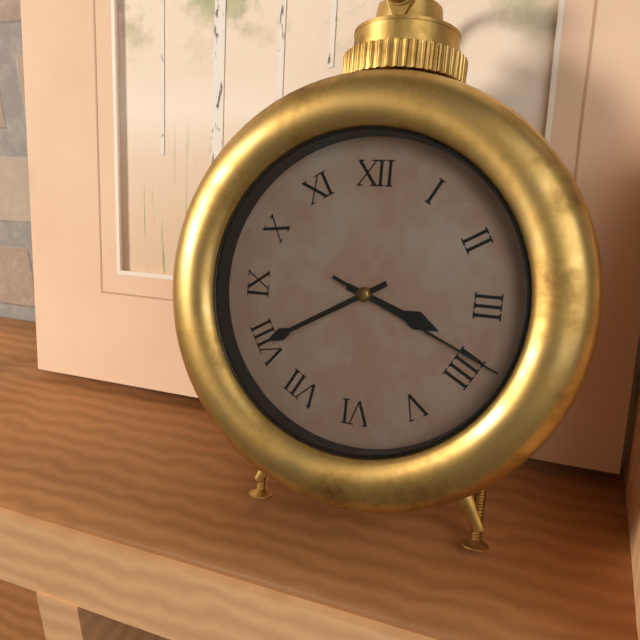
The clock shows h=3 m=40 s=19
